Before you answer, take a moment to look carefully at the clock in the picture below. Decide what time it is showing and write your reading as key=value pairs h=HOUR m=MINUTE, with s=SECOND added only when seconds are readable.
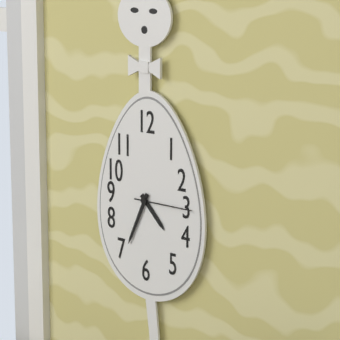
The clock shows h=4 m=34 s=15
